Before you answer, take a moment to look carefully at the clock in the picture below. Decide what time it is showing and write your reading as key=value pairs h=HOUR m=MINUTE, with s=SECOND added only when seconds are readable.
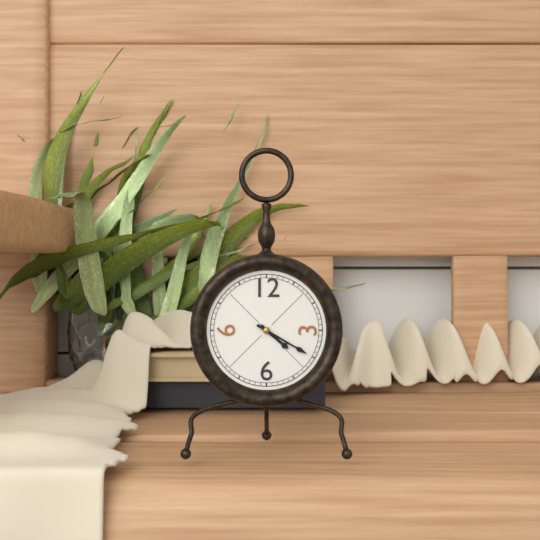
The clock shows h=4 m=20
